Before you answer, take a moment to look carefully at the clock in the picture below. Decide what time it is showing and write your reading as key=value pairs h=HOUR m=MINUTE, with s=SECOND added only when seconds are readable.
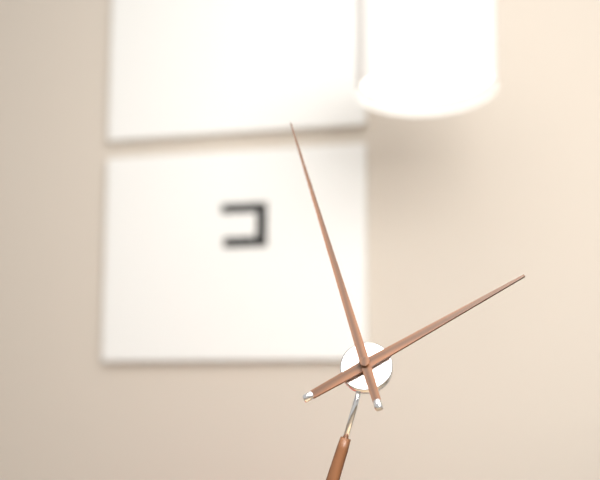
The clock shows h=1 m=57
